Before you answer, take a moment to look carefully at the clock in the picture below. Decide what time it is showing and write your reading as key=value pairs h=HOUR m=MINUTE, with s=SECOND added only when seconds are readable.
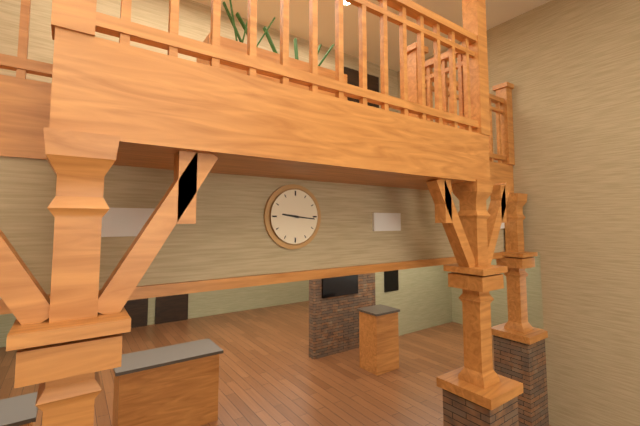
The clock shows h=9 m=16
